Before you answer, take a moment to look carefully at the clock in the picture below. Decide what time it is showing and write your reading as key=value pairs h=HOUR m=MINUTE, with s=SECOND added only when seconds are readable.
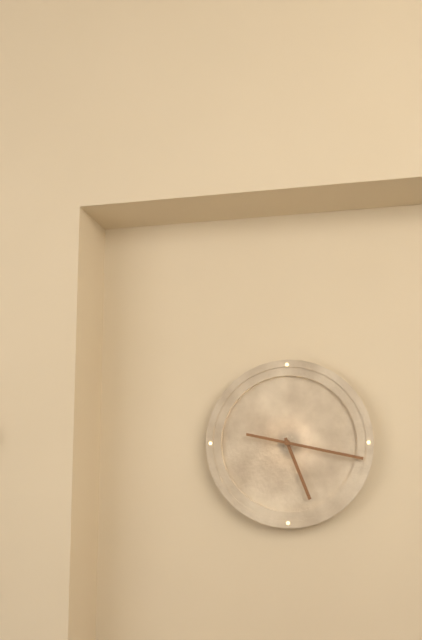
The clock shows h=5 m=17
